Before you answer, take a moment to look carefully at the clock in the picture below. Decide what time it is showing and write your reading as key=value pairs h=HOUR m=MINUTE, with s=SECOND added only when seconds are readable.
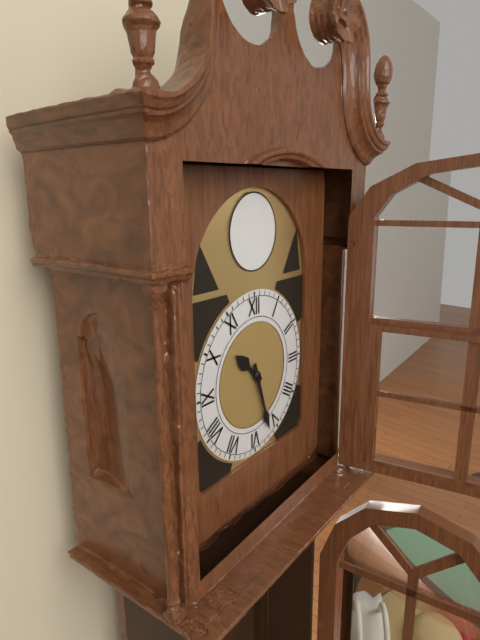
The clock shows h=10 m=27
